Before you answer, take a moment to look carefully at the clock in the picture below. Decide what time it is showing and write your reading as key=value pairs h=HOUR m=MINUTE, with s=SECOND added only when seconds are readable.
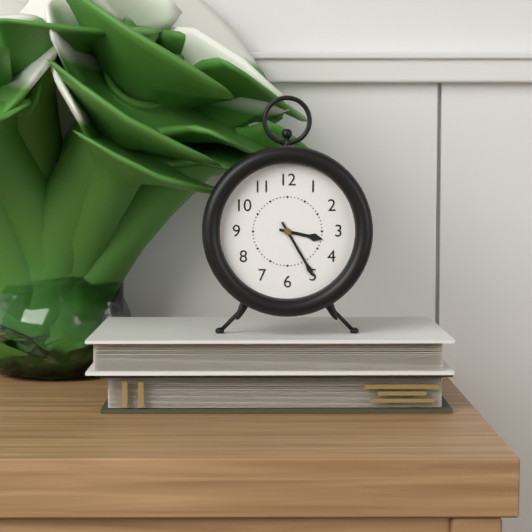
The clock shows h=3 m=25
